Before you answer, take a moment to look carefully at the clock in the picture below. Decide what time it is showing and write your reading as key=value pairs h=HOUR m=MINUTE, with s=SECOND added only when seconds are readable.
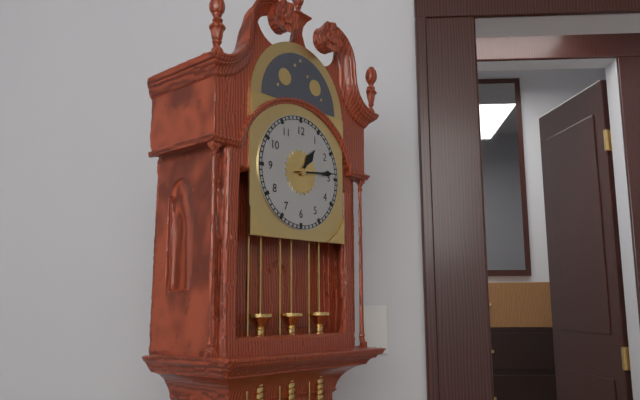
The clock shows h=1 m=14
